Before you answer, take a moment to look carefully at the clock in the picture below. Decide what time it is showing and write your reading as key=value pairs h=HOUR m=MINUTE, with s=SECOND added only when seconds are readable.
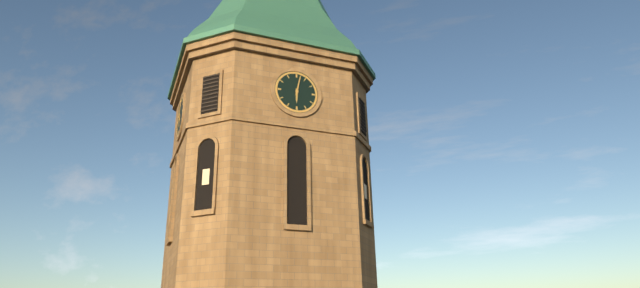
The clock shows h=6 m=2
